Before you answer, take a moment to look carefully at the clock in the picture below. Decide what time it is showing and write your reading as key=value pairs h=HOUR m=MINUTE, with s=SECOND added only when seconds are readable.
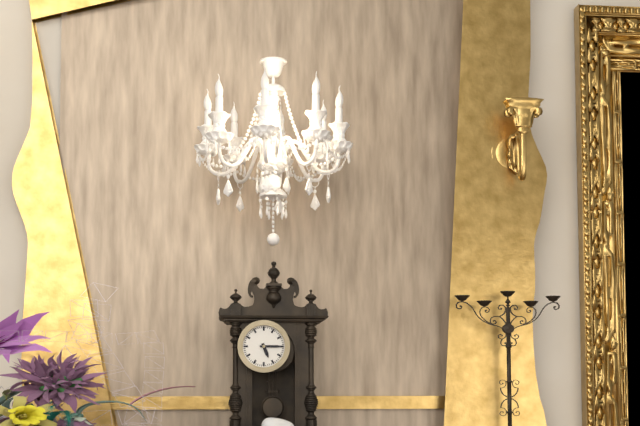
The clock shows h=5 m=15
